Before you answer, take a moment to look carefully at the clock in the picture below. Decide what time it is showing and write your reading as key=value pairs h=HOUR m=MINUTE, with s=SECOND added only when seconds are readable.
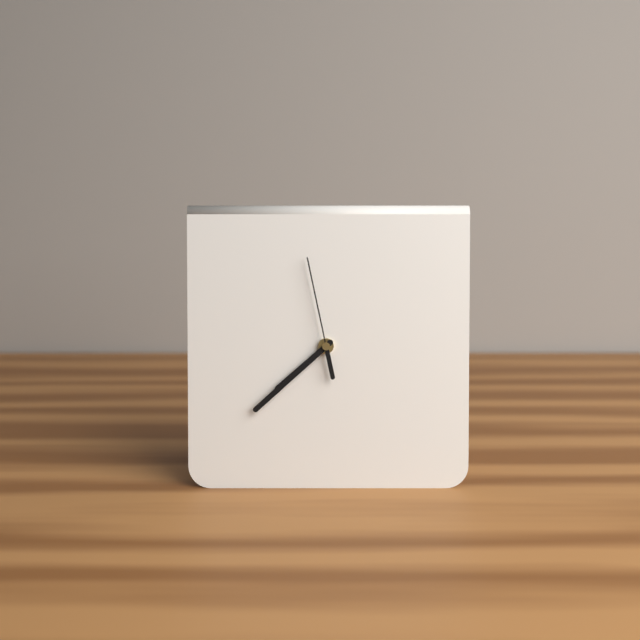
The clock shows h=7 m=38 s=58
